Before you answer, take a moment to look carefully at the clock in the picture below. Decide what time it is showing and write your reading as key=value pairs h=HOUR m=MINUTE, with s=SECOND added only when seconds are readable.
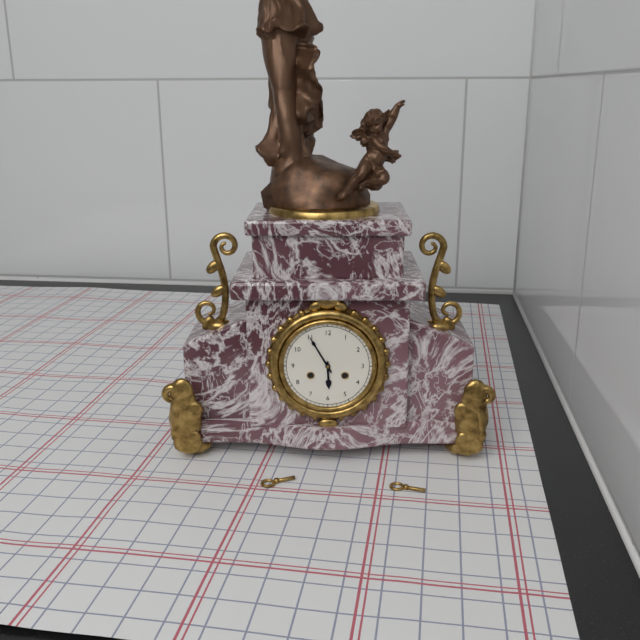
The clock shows h=5 m=55
